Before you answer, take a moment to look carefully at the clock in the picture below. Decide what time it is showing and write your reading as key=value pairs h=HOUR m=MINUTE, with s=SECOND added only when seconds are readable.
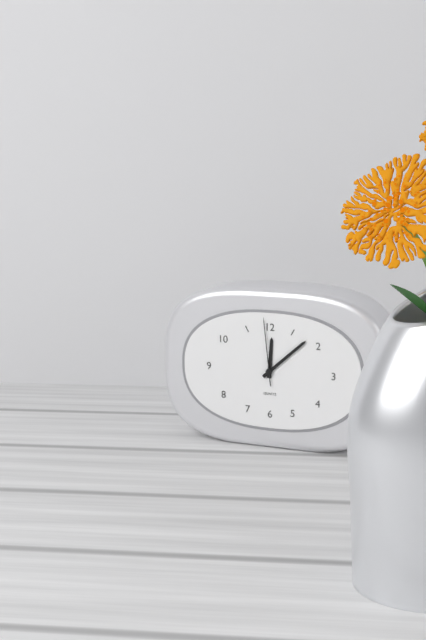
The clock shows h=12 m=8 s=59
